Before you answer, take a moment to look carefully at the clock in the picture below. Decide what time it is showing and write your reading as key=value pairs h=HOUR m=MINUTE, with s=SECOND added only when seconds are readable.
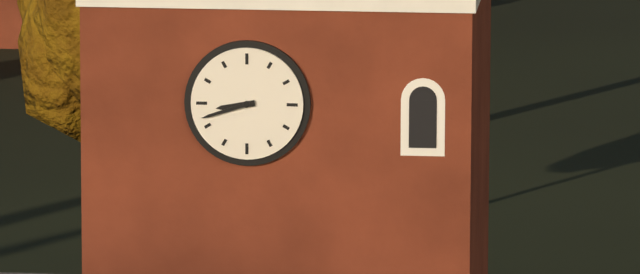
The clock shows h=8 m=42
